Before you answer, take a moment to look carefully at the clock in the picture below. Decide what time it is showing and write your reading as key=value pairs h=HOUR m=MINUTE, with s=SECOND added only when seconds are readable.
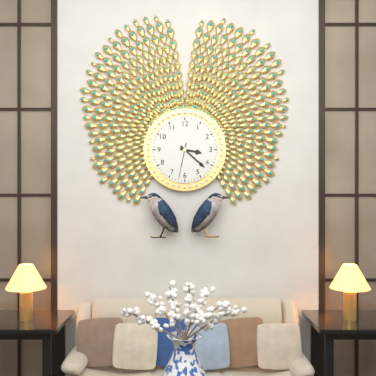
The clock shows h=3 m=22
